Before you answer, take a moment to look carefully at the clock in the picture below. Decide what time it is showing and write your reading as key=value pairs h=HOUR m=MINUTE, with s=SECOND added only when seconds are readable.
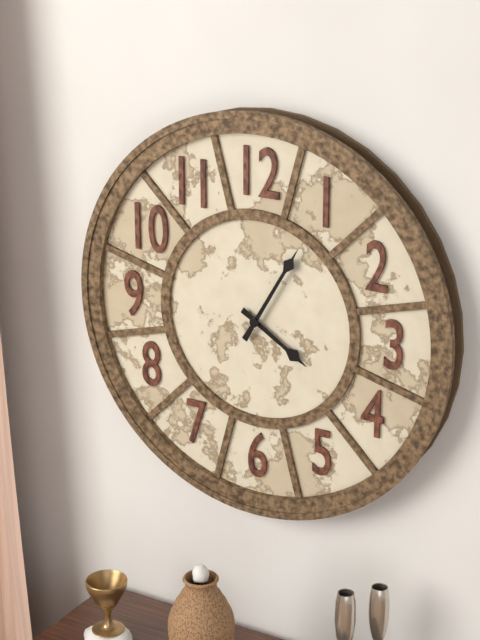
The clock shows h=4 m=5
